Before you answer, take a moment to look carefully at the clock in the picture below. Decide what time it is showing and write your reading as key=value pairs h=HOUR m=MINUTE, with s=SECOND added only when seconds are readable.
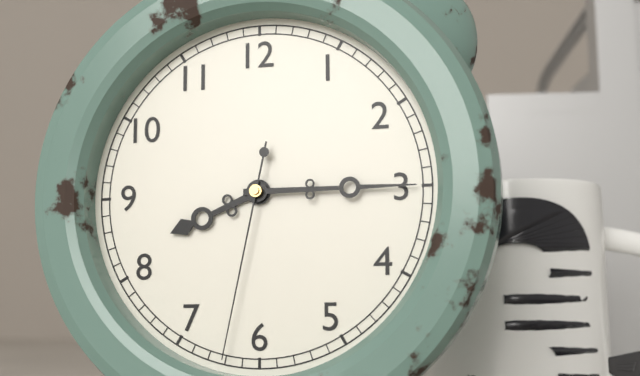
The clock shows h=8 m=15 s=32
